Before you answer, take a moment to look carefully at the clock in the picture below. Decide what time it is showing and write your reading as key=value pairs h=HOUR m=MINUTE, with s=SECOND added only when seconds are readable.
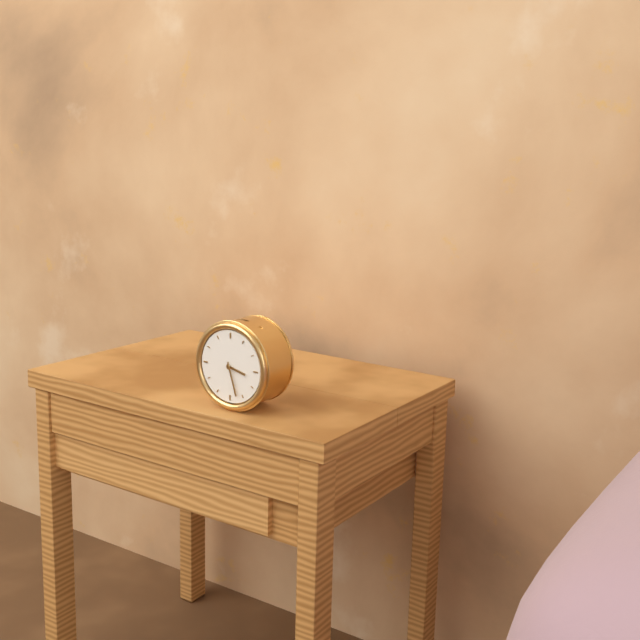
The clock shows h=3 m=27
